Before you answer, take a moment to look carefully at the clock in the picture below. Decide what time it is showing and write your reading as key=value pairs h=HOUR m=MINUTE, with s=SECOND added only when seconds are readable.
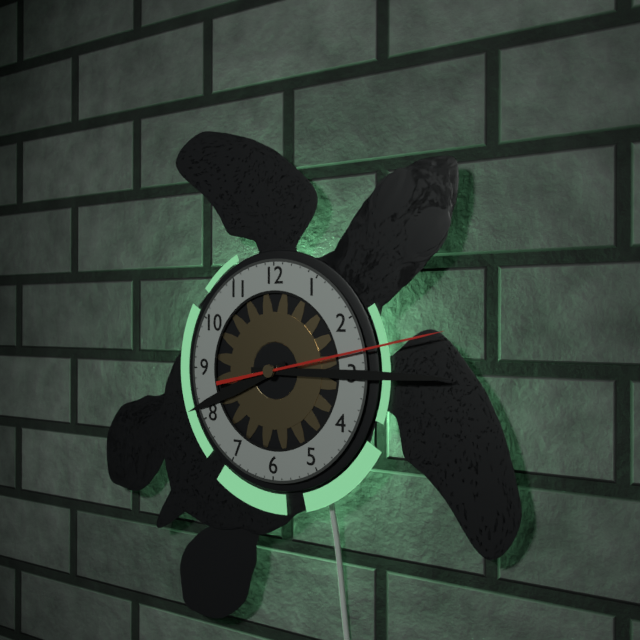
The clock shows h=8 m=15 s=13
